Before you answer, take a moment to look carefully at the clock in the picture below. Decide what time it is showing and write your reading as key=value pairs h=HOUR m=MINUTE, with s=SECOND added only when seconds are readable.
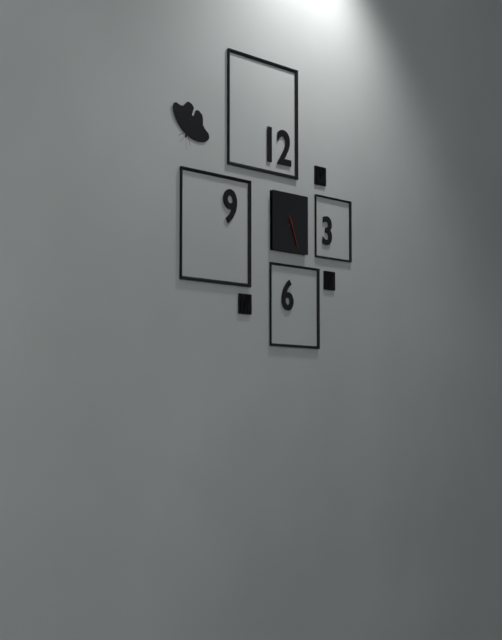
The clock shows h=7 m=26
